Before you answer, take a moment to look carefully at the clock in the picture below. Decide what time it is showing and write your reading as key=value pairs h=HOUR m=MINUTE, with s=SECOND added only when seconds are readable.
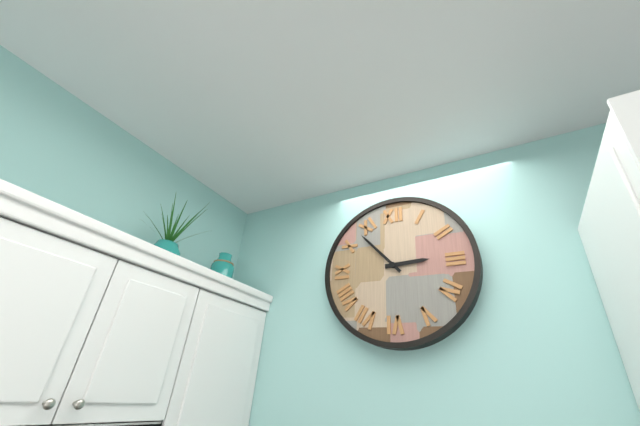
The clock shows h=2 m=53
